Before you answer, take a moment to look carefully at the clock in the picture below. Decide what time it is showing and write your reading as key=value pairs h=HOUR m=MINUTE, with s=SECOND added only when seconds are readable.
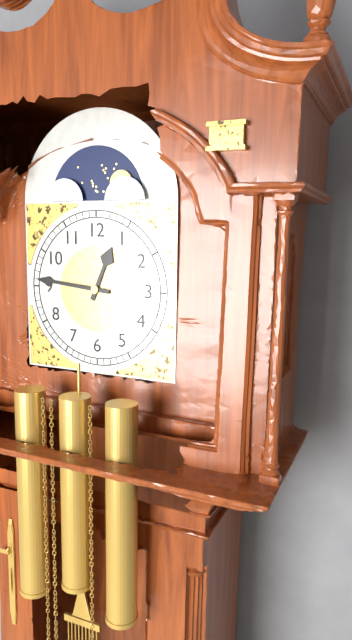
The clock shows h=12 m=46
